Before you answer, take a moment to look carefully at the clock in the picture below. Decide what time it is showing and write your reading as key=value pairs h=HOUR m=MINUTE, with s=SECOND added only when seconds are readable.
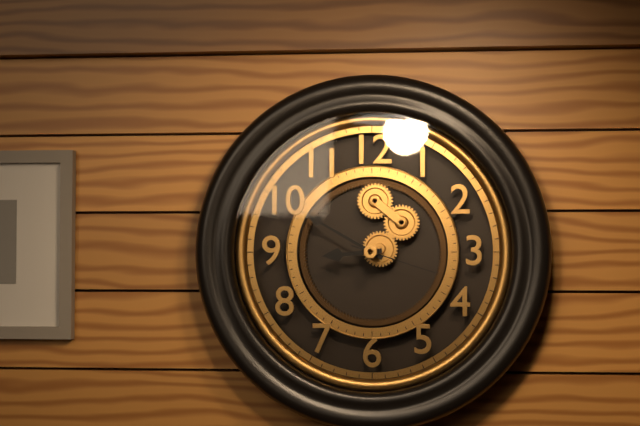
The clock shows h=8 m=50 s=18
